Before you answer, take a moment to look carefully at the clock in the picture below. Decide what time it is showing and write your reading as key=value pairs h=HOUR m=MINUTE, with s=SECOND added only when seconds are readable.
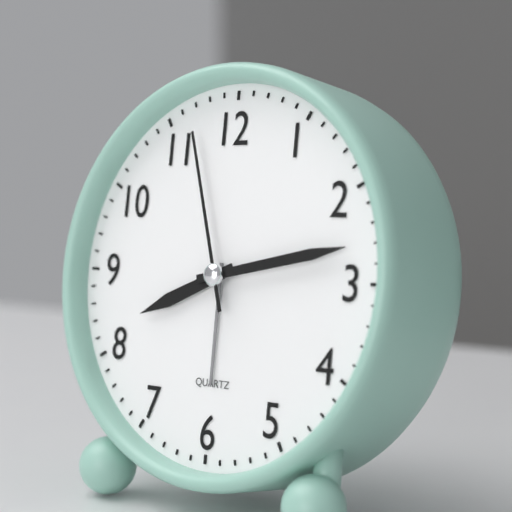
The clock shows h=8 m=13 s=57
